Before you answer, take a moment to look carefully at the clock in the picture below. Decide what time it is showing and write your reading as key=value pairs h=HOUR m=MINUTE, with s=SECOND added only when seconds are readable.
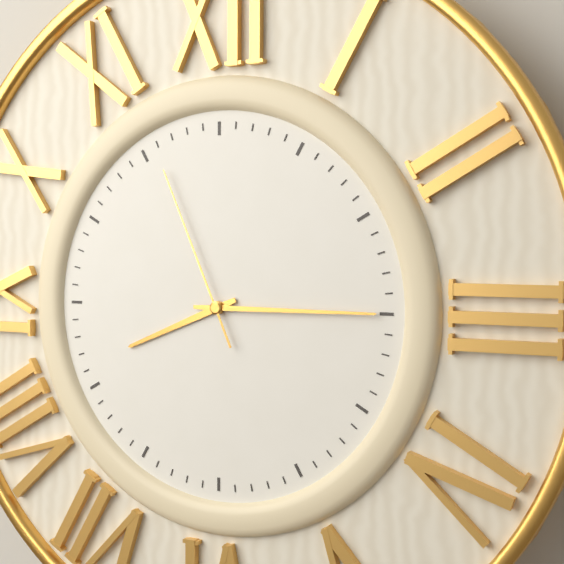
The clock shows h=8 m=15 s=56
